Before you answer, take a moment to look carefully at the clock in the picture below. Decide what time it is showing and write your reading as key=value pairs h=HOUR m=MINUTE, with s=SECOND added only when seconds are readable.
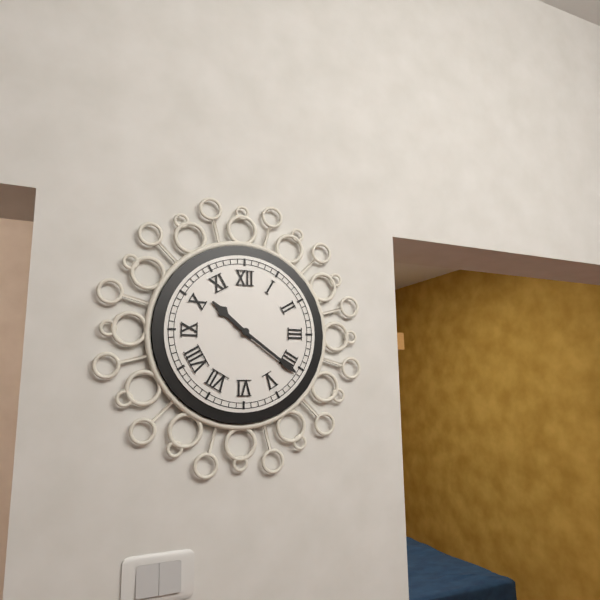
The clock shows h=10 m=21
